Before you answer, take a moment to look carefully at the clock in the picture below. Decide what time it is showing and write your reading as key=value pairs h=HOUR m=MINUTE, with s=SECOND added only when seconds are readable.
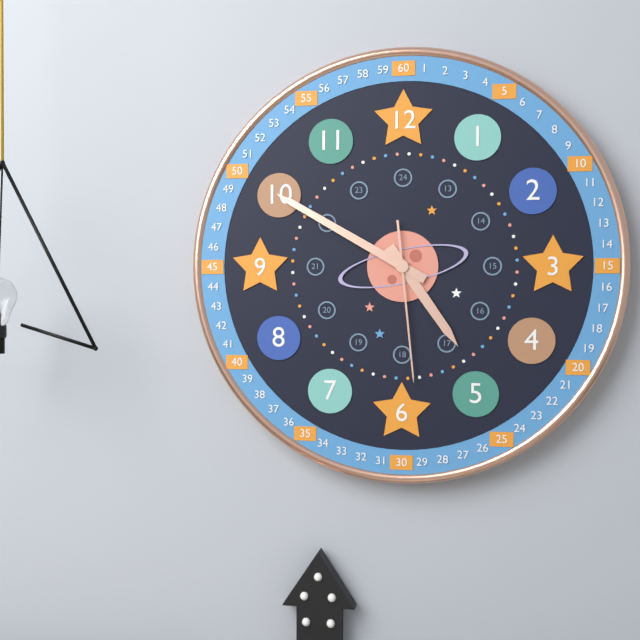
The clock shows h=4 m=50 s=29
